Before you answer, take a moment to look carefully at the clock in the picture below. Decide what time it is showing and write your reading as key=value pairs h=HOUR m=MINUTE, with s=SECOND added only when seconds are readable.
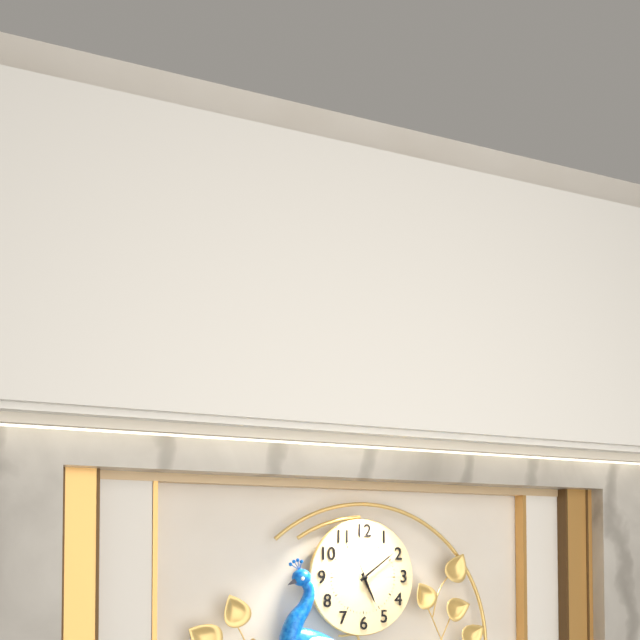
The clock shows h=5 m=9 s=56
